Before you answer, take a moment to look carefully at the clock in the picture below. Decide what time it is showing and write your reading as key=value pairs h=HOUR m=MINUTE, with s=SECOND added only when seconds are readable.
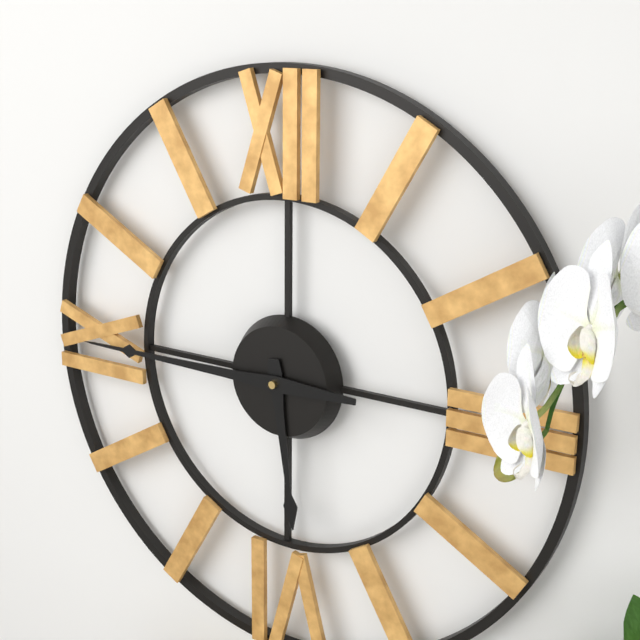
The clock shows h=5 m=45
